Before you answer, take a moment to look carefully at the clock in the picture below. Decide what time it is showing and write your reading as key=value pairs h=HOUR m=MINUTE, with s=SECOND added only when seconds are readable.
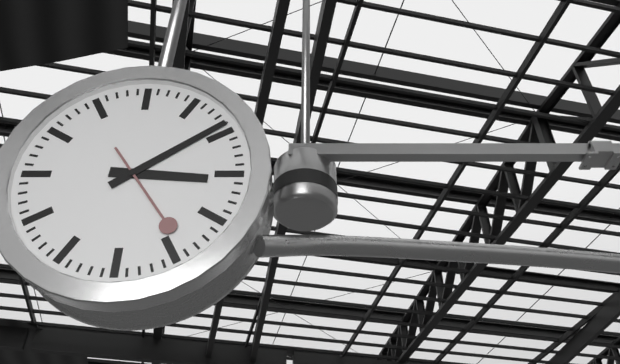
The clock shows h=3 m=9 s=24
